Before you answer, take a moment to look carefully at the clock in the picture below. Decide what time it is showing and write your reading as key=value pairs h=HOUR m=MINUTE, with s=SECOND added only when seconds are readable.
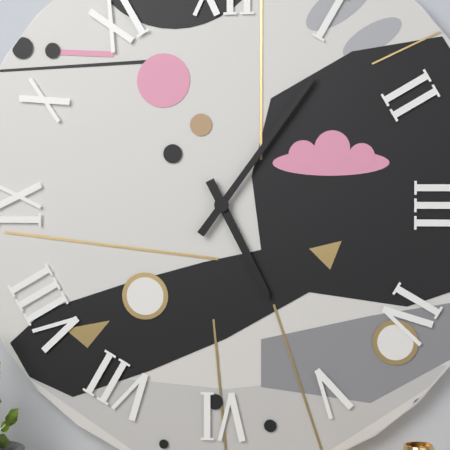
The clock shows h=5 m=6
